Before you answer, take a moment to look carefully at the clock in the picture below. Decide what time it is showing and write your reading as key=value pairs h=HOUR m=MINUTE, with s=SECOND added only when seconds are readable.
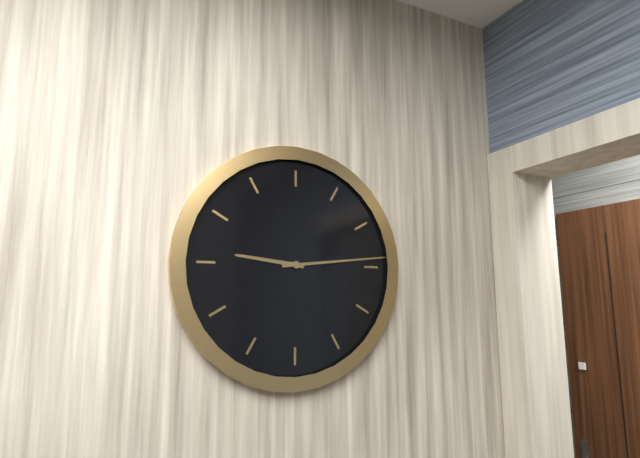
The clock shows h=9 m=14
